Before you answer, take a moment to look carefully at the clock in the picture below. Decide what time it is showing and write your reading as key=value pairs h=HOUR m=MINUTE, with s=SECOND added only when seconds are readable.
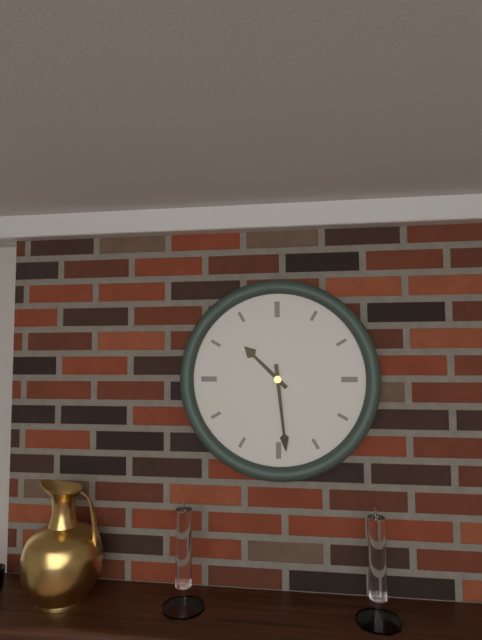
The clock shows h=10 m=29
